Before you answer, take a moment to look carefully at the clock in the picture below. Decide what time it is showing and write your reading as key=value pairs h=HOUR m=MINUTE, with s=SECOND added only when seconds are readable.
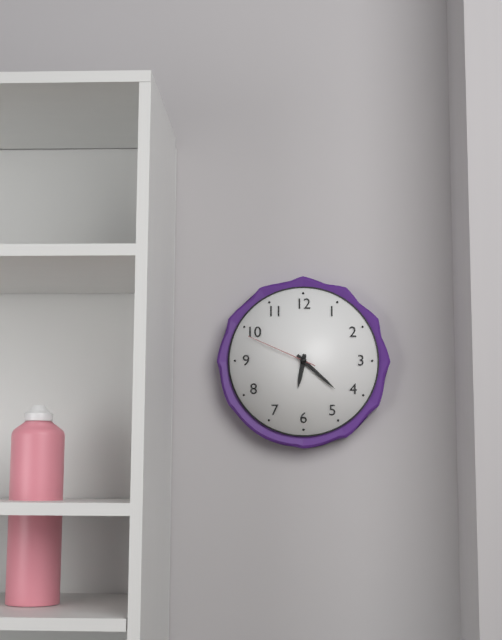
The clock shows h=6 m=22 s=49
